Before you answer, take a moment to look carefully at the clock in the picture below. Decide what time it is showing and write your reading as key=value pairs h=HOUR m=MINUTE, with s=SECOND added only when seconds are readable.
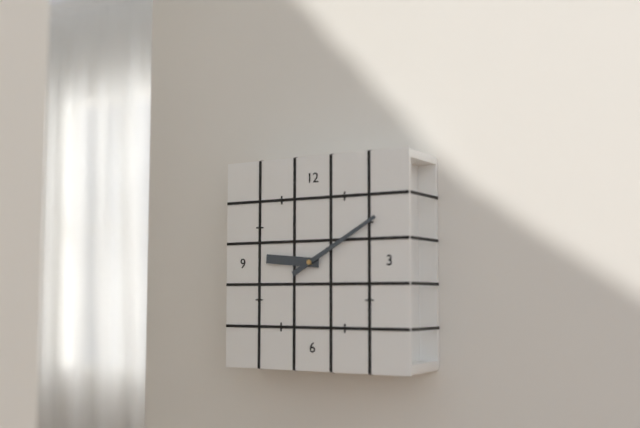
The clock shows h=9 m=10
